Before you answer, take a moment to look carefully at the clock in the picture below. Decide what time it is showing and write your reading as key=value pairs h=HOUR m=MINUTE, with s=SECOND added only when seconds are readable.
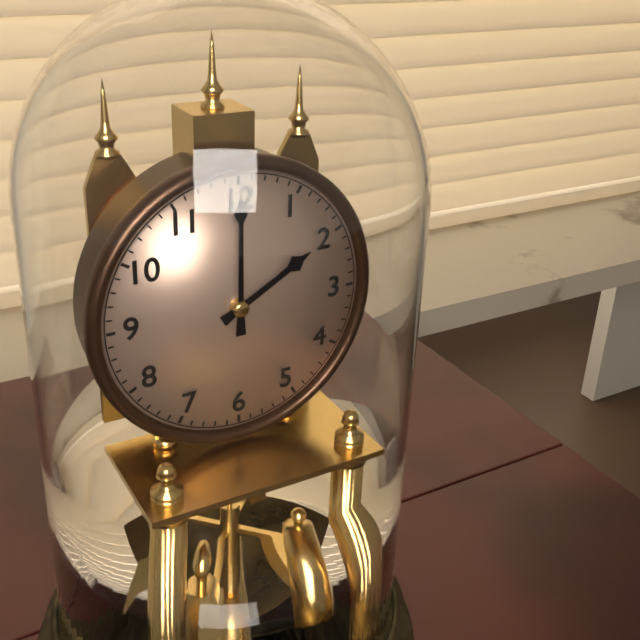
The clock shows h=2 m=0
